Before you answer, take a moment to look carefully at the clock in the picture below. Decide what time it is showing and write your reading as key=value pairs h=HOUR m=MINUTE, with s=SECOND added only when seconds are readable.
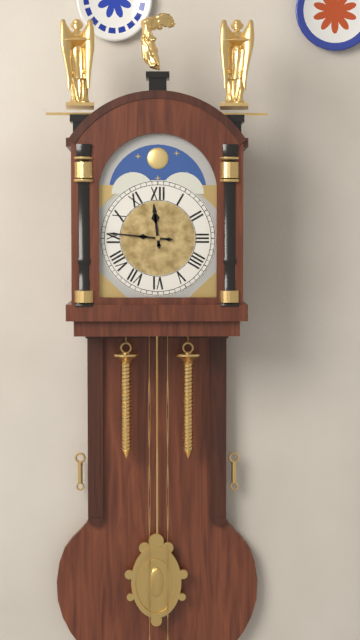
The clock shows h=11 m=46
